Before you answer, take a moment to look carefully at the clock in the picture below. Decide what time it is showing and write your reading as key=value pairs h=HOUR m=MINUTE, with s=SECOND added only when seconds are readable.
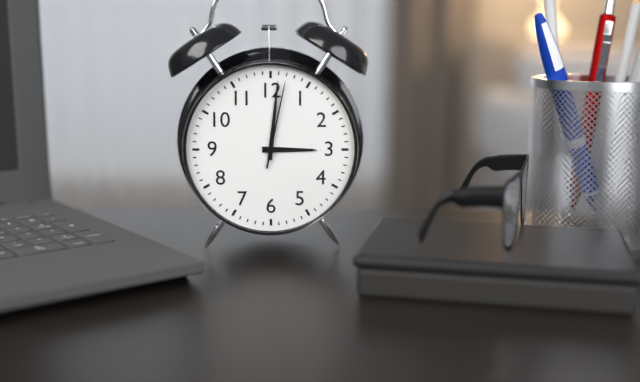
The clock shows h=3 m=1 s=2
